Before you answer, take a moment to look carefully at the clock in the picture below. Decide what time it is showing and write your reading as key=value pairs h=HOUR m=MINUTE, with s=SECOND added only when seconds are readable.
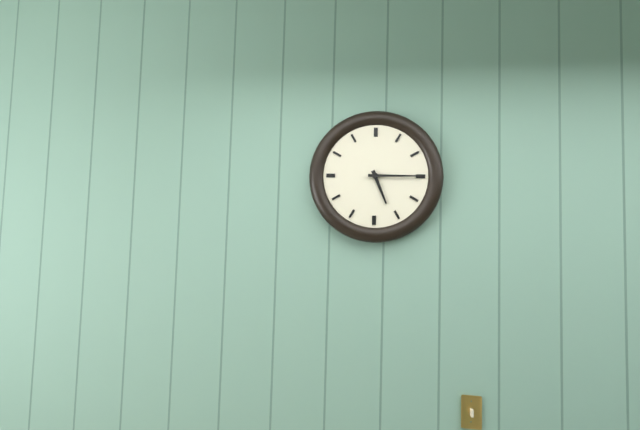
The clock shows h=5 m=15
